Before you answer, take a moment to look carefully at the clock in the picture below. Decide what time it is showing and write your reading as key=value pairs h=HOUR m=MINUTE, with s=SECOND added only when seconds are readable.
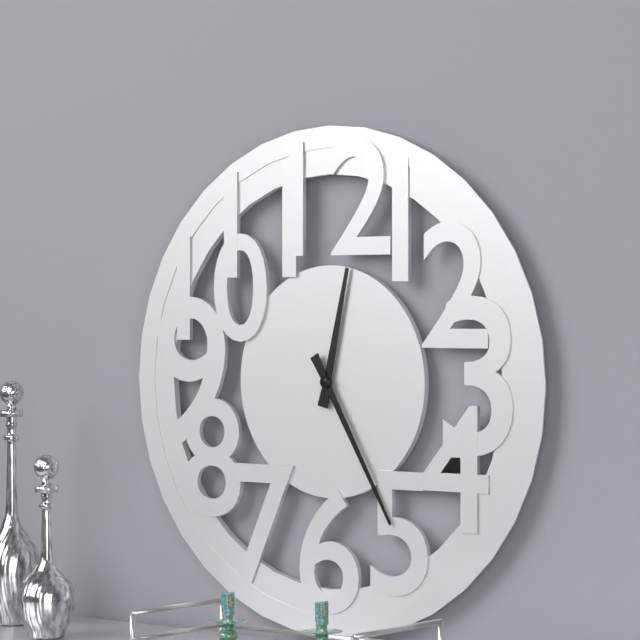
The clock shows h=12 m=25
